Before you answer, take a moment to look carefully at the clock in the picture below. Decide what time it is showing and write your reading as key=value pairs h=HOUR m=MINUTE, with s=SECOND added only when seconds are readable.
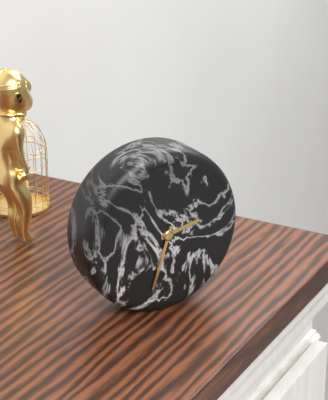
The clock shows h=2 m=33
